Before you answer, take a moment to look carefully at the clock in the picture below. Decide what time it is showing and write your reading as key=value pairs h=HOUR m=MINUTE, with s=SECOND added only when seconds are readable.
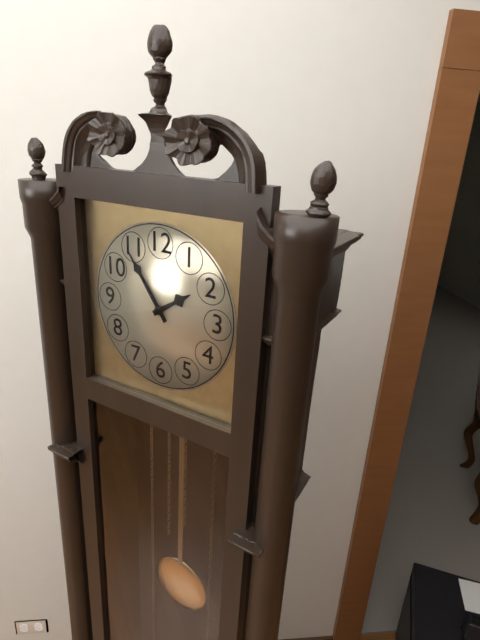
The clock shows h=1 m=54
